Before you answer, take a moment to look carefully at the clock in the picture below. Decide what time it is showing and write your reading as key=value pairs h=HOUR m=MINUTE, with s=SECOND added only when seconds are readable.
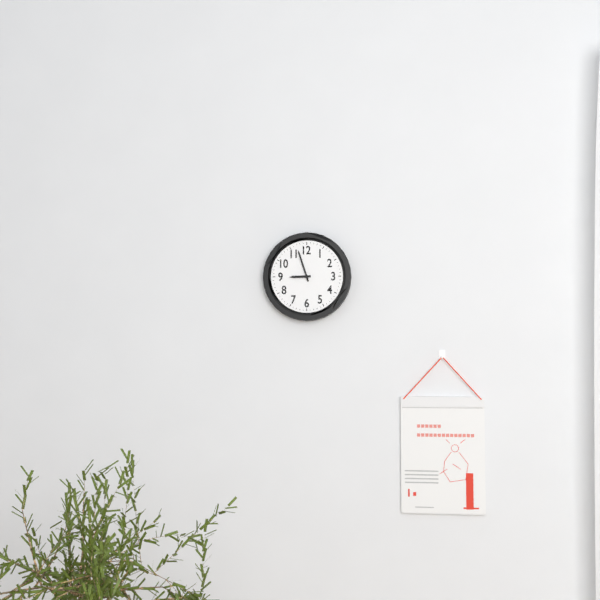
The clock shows h=8 m=57
